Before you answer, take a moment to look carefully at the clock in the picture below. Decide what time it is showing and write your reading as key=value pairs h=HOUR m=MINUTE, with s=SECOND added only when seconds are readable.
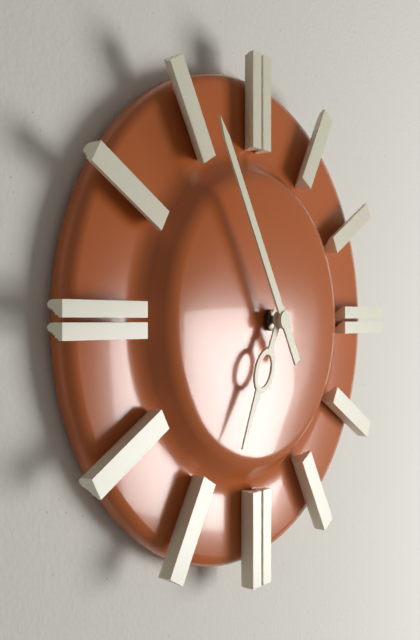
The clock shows h=6 m=55
